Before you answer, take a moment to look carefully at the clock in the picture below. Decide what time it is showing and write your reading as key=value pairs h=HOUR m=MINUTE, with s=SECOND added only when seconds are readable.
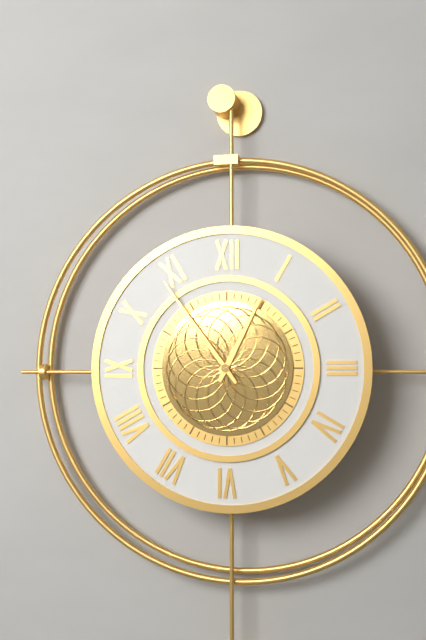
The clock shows h=12 m=54
